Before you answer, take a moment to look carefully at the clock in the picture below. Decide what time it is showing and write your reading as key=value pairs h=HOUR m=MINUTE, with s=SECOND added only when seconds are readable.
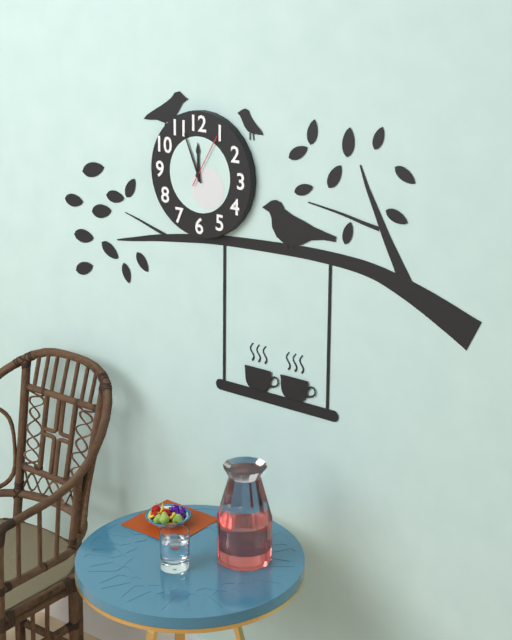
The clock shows h=11 m=56 s=5
